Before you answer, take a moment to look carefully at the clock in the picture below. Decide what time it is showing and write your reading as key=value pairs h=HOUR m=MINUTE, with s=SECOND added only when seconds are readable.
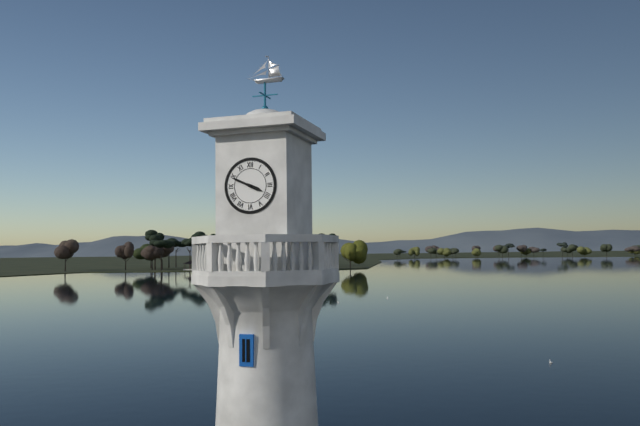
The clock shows h=3 m=49
